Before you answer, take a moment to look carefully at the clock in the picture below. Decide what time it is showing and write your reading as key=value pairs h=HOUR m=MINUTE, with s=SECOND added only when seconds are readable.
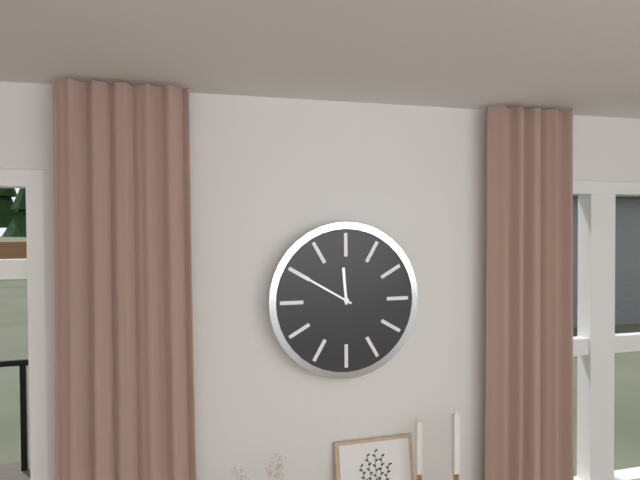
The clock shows h=11 m=50
